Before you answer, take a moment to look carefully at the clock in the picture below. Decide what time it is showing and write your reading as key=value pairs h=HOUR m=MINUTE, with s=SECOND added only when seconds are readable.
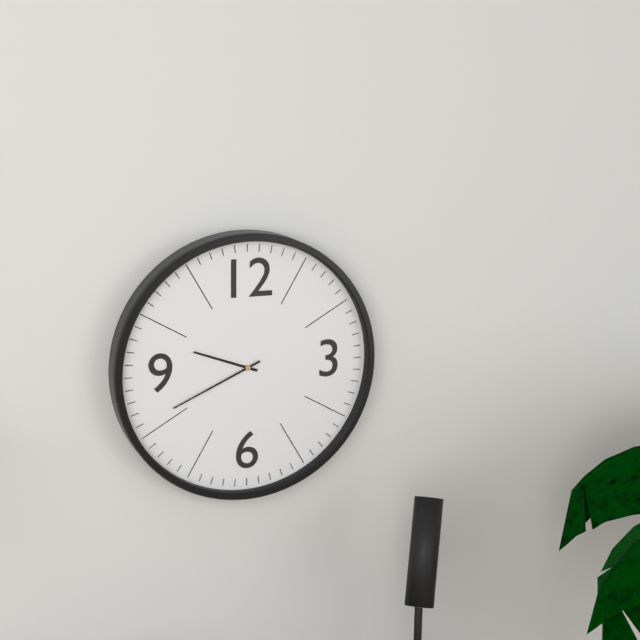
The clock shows h=9 m=41
